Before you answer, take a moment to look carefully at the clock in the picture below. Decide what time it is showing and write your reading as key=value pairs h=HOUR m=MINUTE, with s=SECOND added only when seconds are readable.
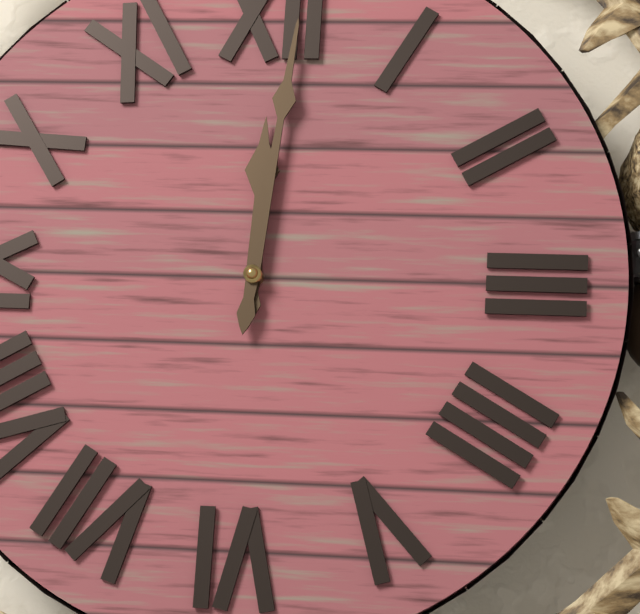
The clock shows h=12 m=1
